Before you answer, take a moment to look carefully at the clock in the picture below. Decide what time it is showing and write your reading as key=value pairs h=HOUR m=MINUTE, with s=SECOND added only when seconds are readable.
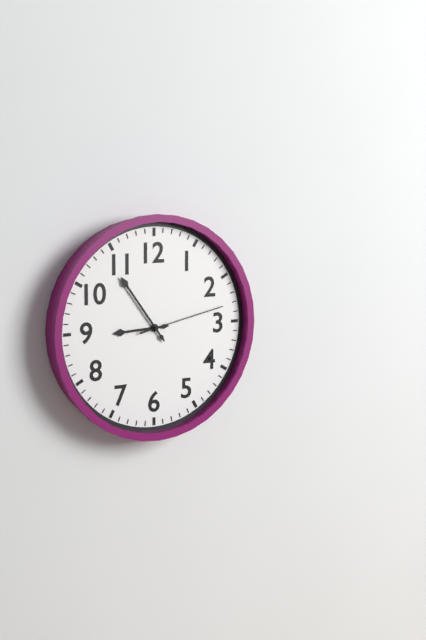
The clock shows h=8 m=54 s=13
